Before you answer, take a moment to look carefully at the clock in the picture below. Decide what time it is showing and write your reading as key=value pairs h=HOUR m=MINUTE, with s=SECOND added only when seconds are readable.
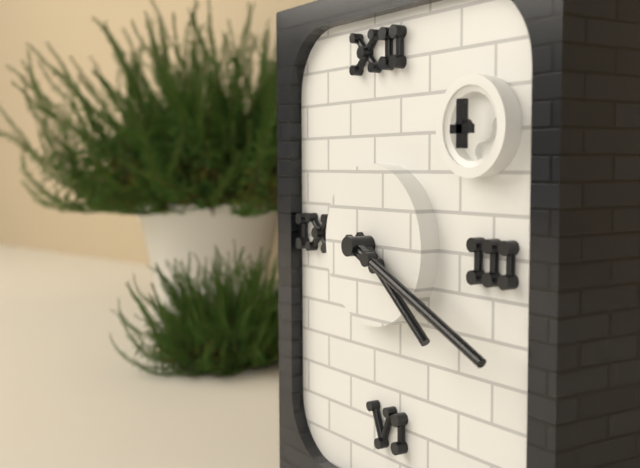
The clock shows h=4 m=19
